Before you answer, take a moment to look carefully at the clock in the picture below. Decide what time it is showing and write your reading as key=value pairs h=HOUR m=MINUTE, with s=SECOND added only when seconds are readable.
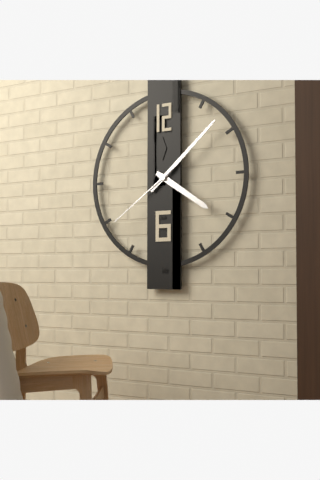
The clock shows h=4 m=8 s=39
